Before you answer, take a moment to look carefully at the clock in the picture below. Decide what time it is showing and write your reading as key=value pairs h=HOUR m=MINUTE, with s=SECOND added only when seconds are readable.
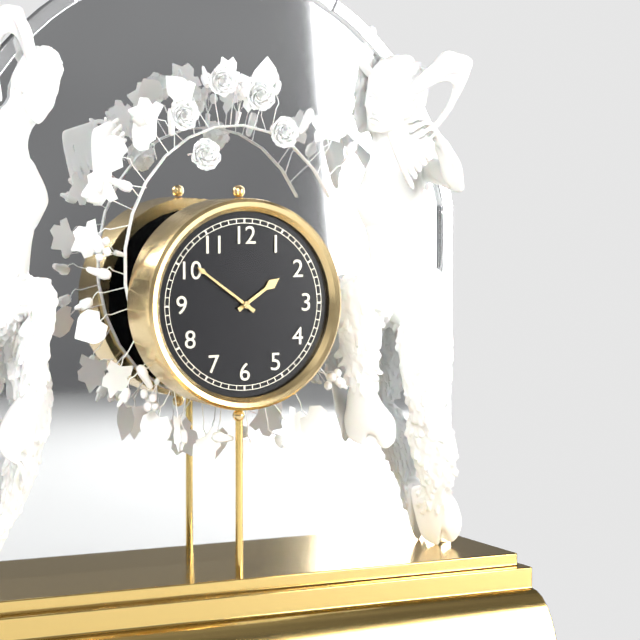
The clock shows h=1 m=51
